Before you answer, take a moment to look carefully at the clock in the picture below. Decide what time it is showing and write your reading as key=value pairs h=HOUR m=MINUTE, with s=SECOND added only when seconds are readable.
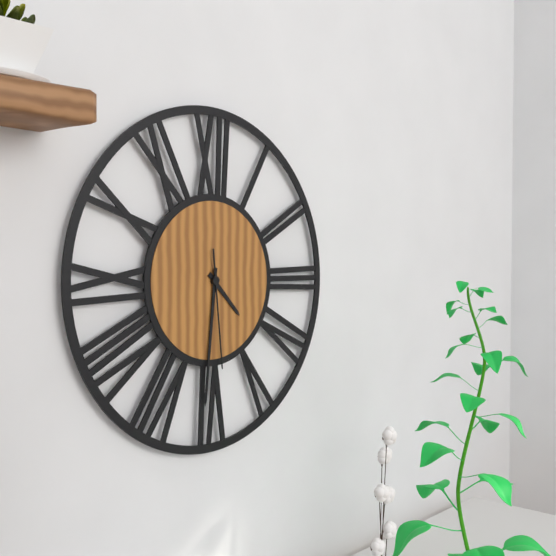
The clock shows h=4 m=31 s=29
